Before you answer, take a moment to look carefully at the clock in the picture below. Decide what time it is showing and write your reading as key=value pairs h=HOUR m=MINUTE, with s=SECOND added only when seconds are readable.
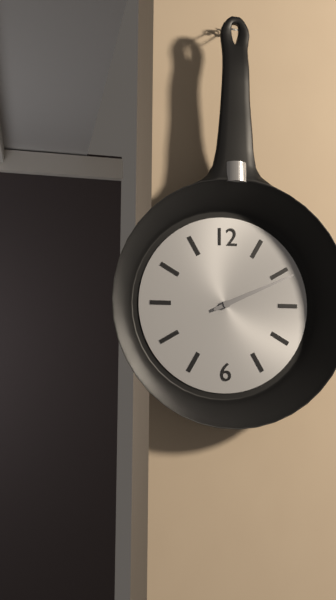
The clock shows h=2 m=11
